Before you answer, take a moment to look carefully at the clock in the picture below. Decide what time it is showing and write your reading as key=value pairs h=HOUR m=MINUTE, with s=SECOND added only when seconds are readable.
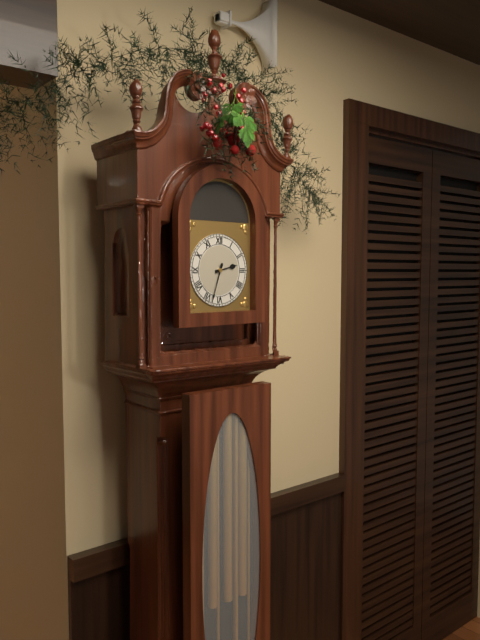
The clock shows h=2 m=33
